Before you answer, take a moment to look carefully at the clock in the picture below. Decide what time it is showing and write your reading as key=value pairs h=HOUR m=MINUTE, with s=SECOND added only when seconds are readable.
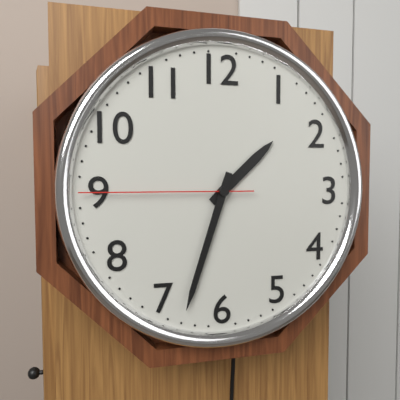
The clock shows h=1 m=33 s=45
